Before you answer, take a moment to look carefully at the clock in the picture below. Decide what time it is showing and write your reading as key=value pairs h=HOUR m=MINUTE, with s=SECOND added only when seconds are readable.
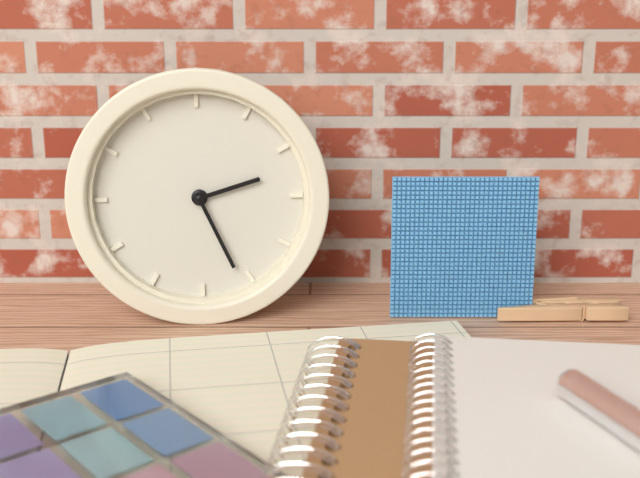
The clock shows h=2 m=26
